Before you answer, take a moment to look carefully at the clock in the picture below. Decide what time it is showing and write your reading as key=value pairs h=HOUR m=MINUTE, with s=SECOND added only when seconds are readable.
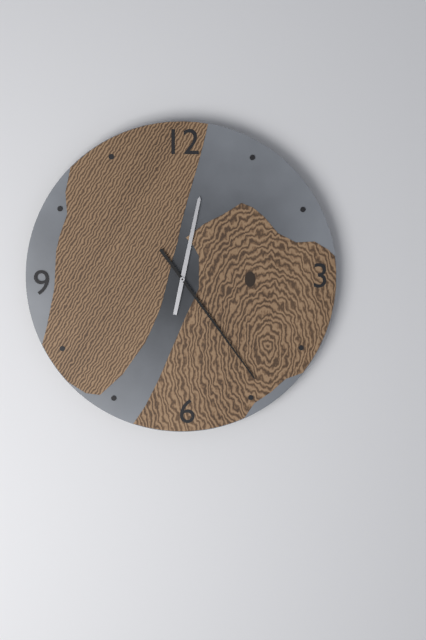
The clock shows h=12 m=24
